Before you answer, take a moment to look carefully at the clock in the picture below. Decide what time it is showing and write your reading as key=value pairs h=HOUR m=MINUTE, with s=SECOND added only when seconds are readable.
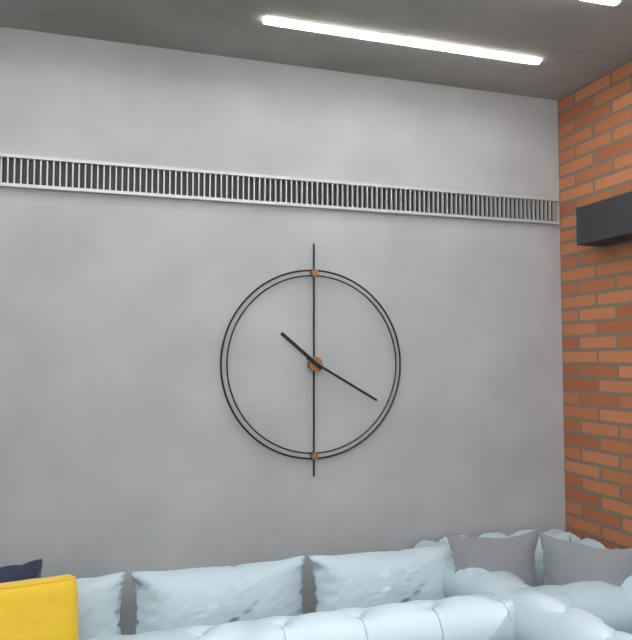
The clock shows h=10 m=20
